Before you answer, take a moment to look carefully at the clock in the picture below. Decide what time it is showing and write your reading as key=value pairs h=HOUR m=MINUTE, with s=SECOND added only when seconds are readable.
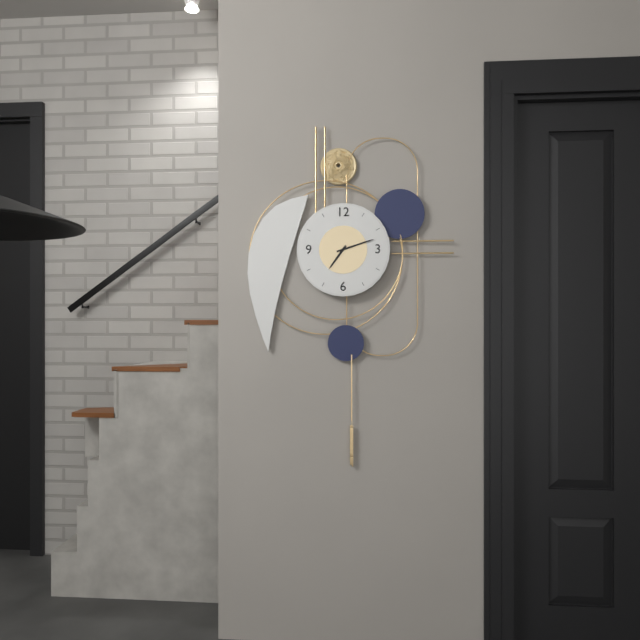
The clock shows h=7 m=12
